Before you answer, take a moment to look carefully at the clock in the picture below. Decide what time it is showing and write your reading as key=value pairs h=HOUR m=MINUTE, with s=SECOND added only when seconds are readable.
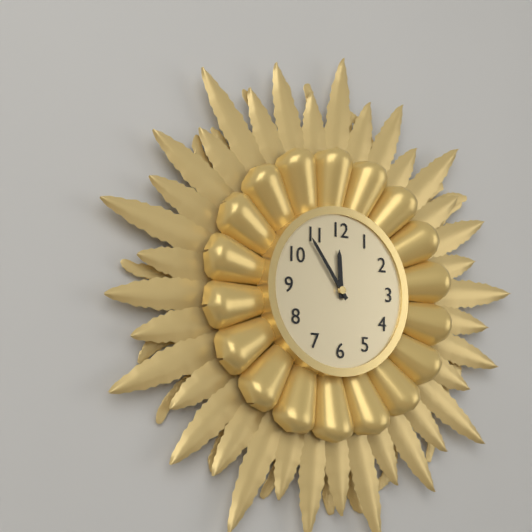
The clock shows h=11 m=54
